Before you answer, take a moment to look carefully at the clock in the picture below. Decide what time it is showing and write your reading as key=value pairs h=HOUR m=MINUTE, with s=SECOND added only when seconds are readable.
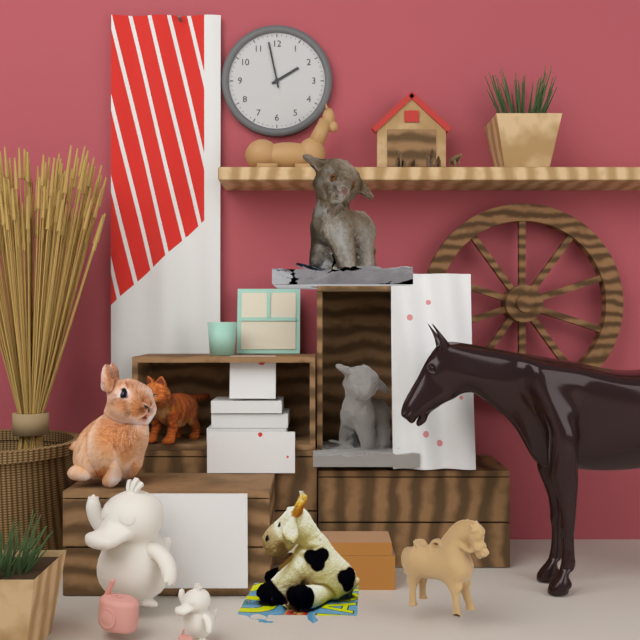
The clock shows h=1 m=58
